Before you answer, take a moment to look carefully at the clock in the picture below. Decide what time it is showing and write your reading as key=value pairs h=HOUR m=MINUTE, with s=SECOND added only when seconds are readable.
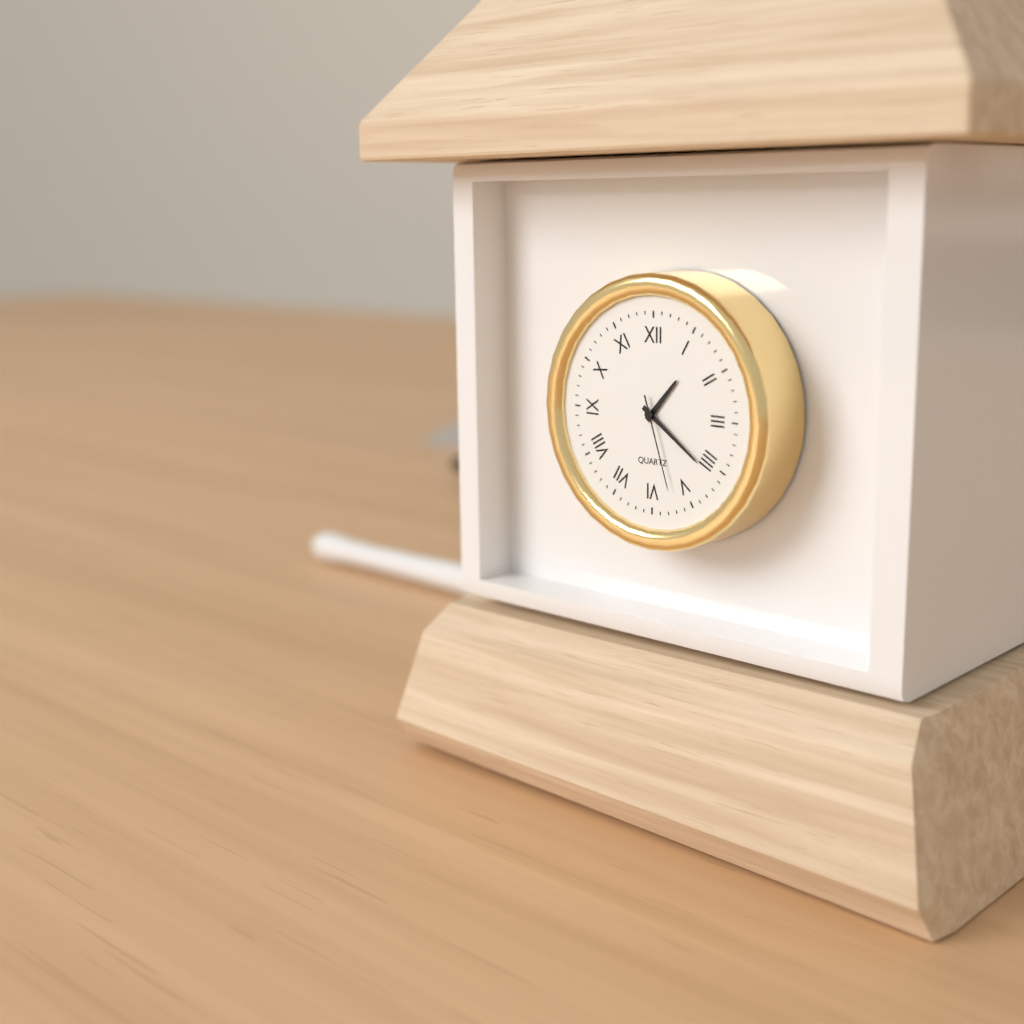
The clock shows h=1 m=21 s=27
